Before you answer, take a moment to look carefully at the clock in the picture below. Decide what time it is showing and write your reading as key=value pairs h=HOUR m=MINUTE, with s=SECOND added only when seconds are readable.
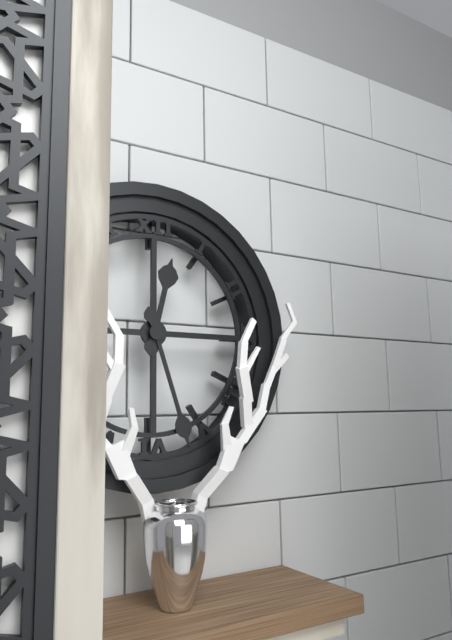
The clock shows h=12 m=27
